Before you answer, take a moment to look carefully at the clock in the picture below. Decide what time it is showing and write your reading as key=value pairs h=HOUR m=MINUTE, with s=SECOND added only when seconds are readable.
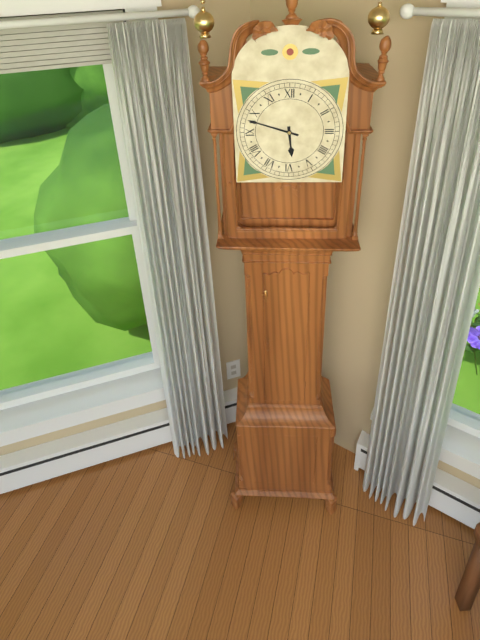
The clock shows h=5 m=48
